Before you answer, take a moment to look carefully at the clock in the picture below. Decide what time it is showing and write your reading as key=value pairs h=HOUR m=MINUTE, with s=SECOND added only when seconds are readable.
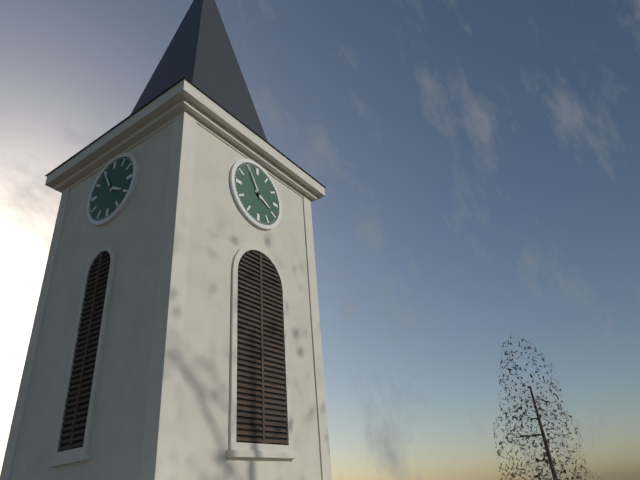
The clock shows h=3 m=55
